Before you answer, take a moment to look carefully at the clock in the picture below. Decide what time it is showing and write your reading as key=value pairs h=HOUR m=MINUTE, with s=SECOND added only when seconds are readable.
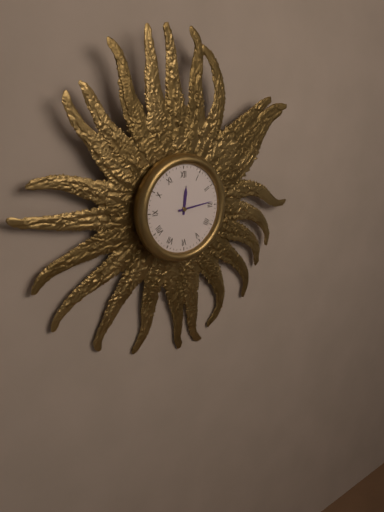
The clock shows h=12 m=14
